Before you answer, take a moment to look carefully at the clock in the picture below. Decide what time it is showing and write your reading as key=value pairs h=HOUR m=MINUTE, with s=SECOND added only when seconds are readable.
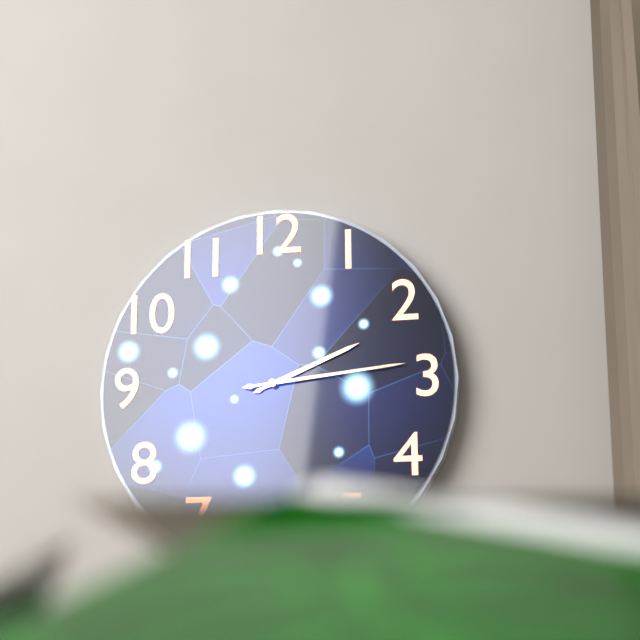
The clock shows h=2 m=14
